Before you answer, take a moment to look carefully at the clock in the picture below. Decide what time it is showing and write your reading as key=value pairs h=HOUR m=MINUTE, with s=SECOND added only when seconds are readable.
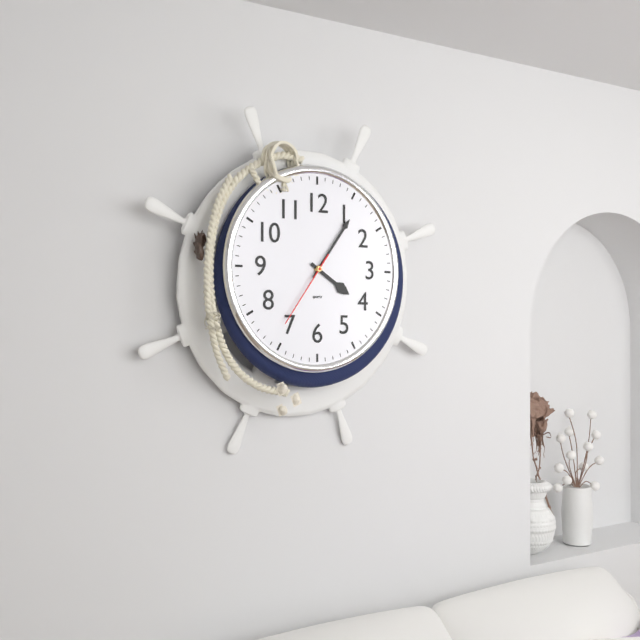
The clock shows h=4 m=6 s=36
